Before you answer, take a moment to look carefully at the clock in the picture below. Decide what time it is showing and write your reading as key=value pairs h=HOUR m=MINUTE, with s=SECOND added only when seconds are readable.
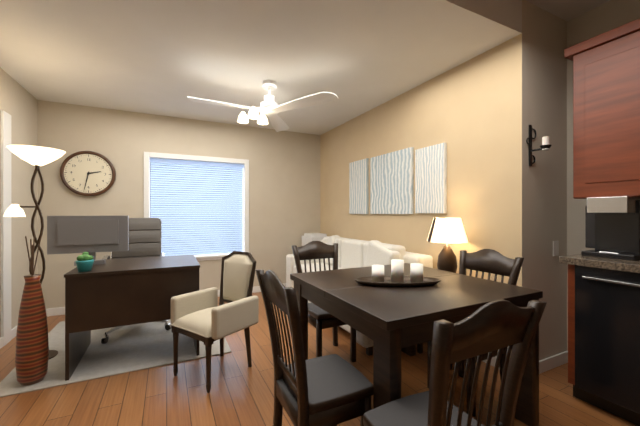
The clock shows h=2 m=32
